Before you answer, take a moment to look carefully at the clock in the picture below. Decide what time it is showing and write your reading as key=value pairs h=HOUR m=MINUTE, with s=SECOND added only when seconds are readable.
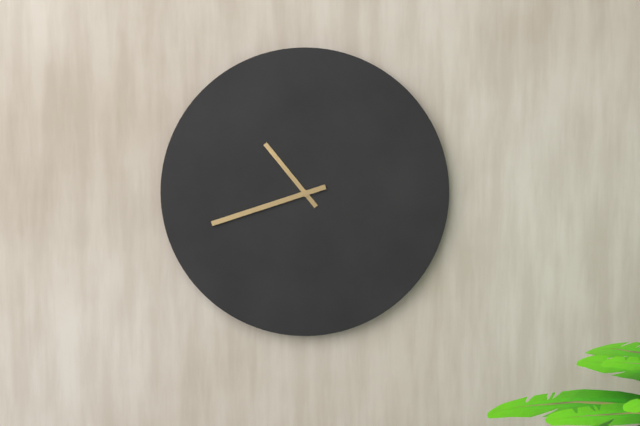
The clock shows h=10 m=42
